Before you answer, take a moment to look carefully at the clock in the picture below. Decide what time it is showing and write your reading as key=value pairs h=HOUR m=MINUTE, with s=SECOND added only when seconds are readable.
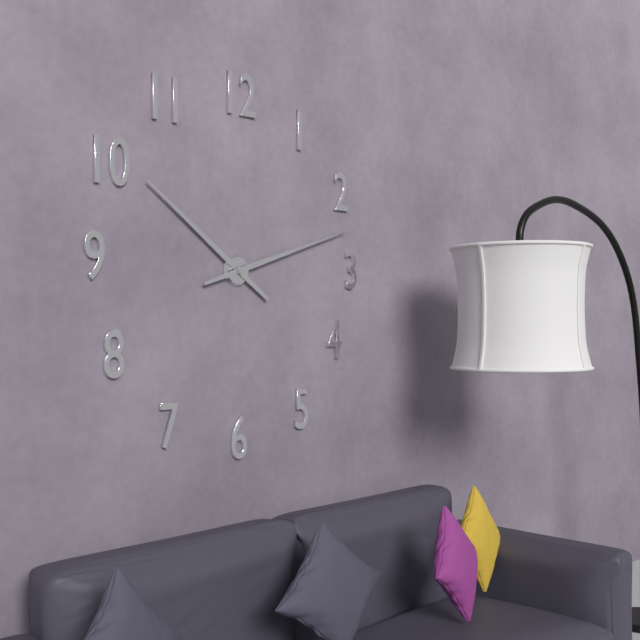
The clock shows h=10 m=12
